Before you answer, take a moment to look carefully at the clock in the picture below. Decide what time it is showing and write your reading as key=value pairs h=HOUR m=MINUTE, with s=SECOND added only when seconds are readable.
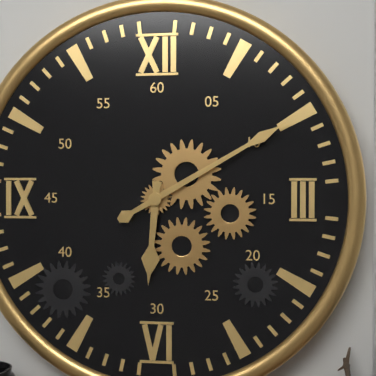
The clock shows h=6 m=10
